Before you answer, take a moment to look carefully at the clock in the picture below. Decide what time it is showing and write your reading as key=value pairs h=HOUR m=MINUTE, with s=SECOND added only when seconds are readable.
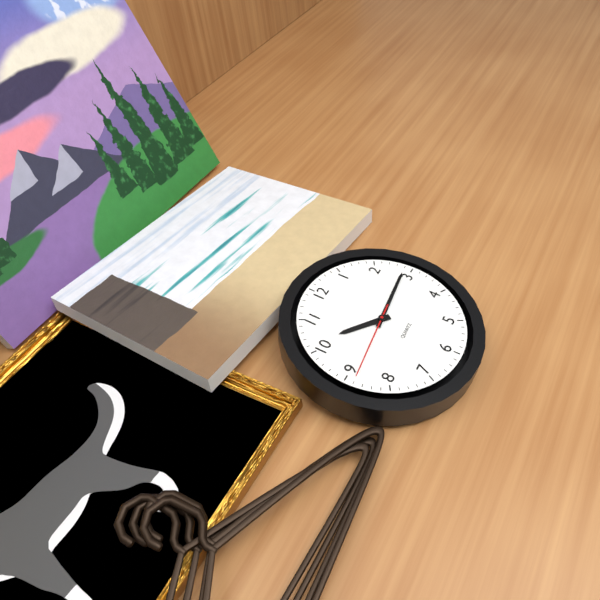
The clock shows h=10 m=14 s=44
